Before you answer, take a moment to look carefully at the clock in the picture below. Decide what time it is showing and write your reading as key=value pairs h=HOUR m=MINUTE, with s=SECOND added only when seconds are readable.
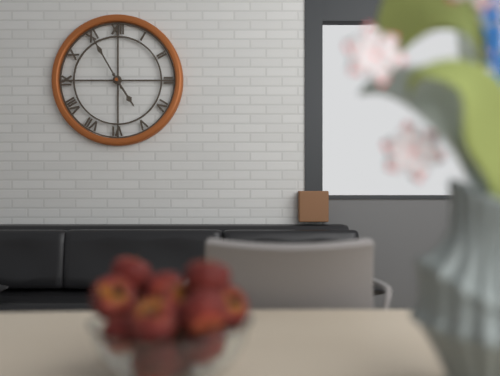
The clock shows h=4 m=55
